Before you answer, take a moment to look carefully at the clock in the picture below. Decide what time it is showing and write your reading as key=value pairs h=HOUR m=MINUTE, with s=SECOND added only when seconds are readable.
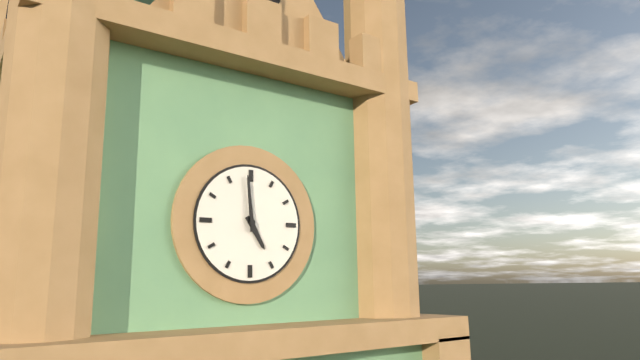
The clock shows h=4 m=59
